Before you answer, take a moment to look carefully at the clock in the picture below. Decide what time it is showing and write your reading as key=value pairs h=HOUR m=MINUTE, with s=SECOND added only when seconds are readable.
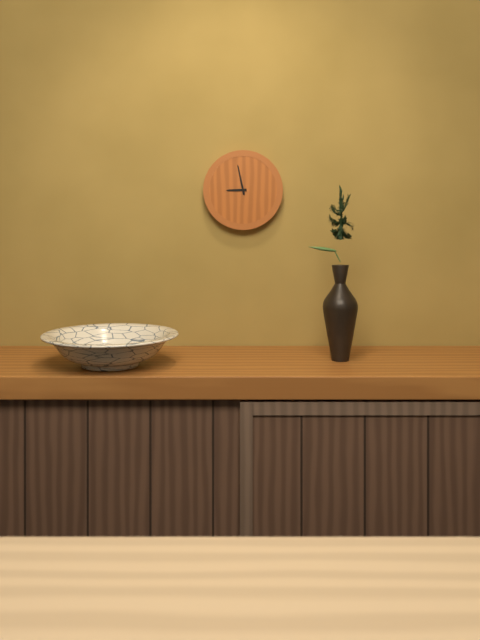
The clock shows h=8 m=58
